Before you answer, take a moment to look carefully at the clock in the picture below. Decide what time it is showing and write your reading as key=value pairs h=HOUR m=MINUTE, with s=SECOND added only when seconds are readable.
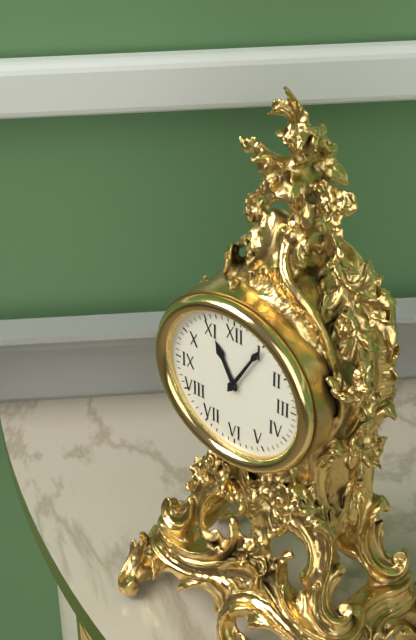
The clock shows h=11 m=5
